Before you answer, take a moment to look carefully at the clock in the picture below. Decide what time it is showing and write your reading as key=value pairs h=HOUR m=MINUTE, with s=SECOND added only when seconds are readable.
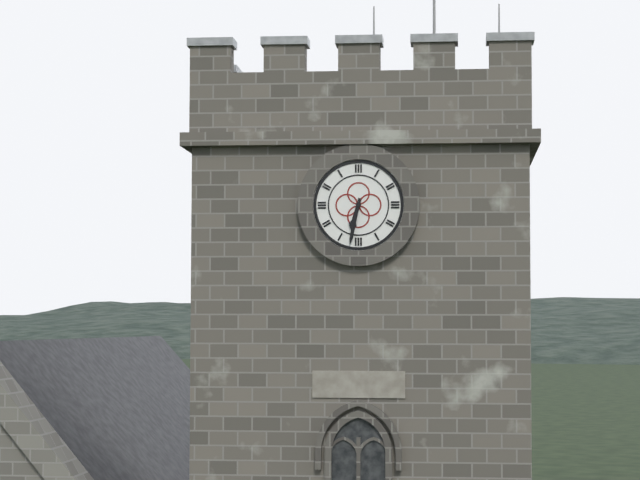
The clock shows h=6 m=32
